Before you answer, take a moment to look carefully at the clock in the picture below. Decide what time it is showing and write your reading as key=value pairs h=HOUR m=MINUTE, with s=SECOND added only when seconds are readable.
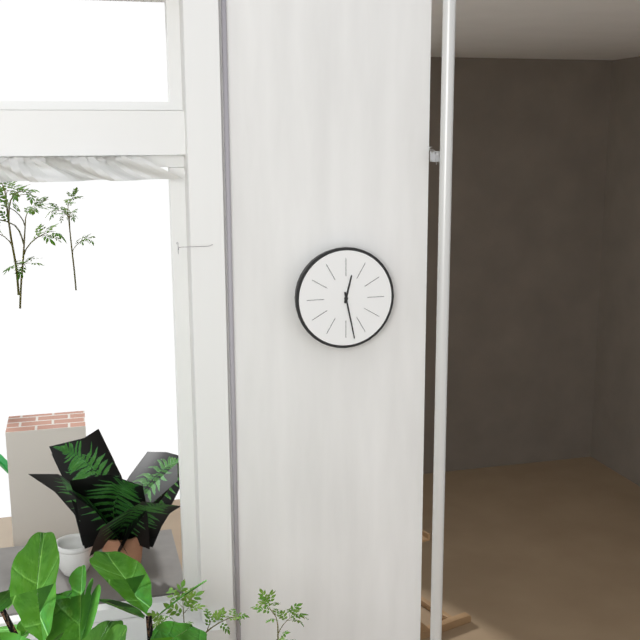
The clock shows h=12 m=28
